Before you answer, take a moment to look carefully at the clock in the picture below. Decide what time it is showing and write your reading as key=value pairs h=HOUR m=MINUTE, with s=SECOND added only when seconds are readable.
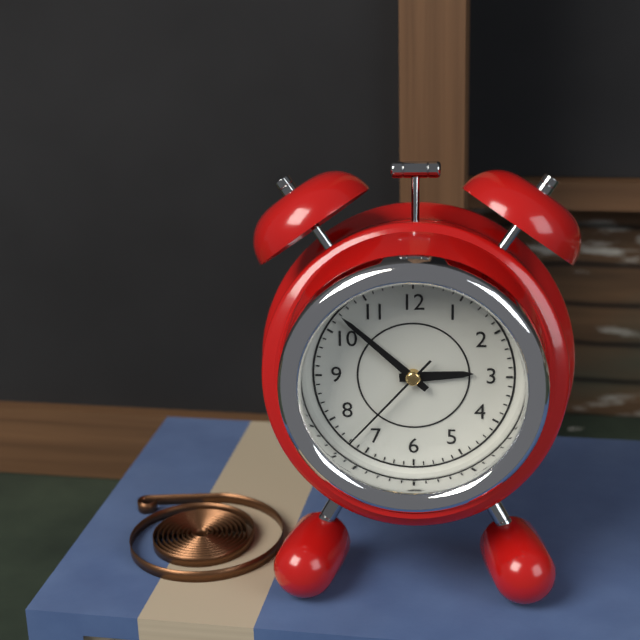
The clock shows h=2 m=52 s=37
